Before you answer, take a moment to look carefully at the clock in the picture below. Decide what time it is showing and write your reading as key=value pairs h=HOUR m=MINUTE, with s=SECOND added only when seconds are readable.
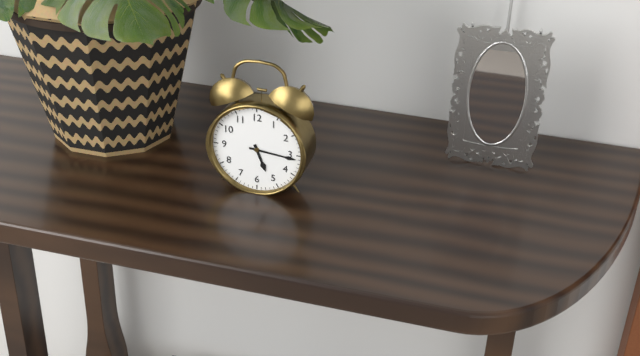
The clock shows h=5 m=16
